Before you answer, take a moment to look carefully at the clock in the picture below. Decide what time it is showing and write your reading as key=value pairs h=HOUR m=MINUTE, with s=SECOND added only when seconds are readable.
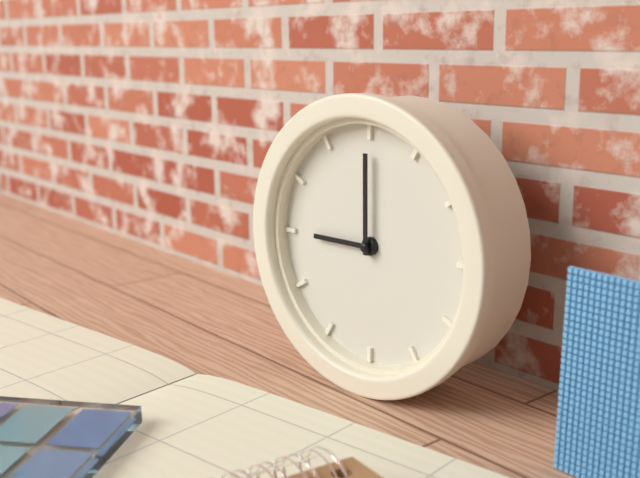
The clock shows h=9 m=0
